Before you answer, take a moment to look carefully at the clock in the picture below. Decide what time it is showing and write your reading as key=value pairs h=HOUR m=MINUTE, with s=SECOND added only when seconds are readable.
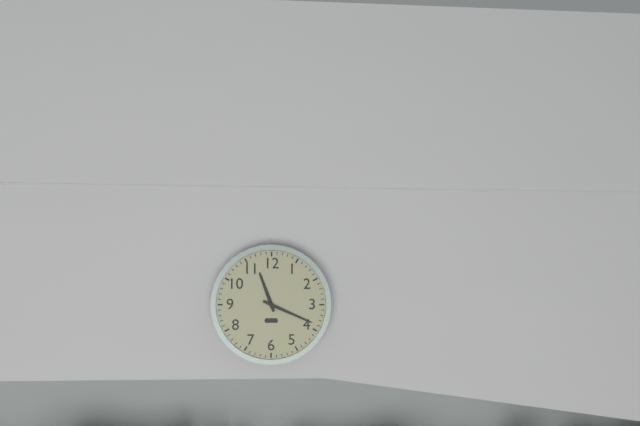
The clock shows h=11 m=19
